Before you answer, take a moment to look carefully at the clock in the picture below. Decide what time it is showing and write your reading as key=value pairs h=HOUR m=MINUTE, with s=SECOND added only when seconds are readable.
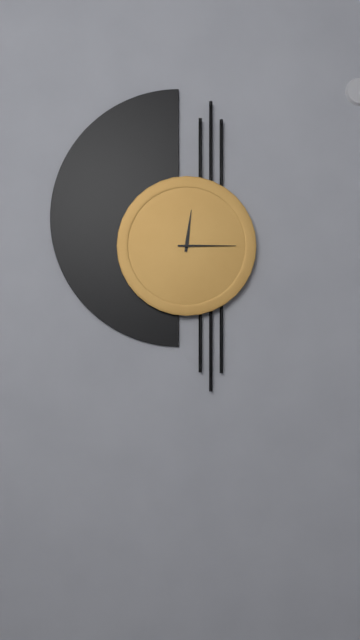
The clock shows h=12 m=15
